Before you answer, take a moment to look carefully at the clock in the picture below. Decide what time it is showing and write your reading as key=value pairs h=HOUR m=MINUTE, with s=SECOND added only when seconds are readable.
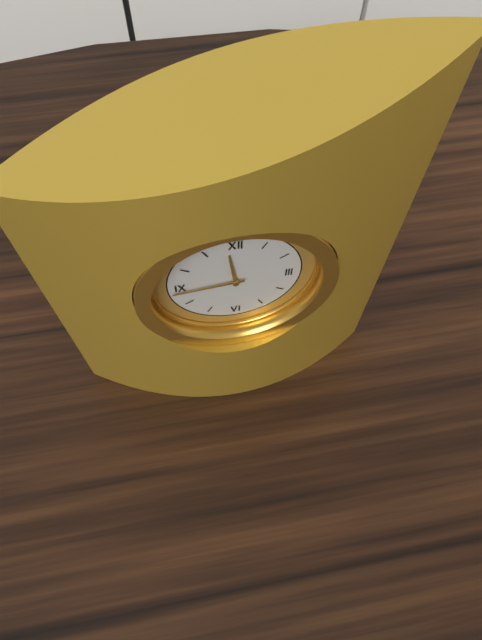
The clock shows h=11 m=44
